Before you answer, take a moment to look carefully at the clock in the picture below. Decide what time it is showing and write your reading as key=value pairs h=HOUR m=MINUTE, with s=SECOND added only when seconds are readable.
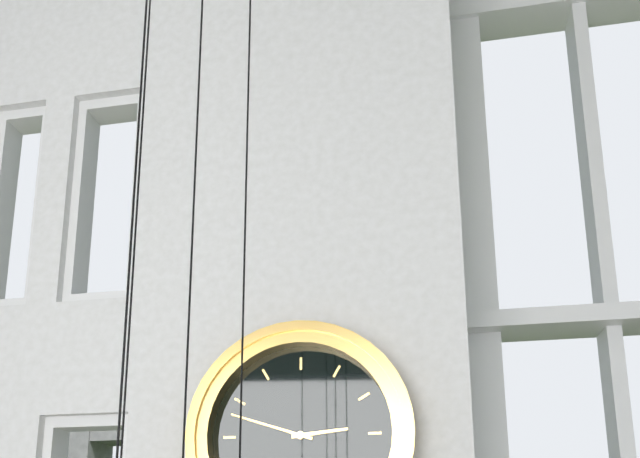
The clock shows h=2 m=48
